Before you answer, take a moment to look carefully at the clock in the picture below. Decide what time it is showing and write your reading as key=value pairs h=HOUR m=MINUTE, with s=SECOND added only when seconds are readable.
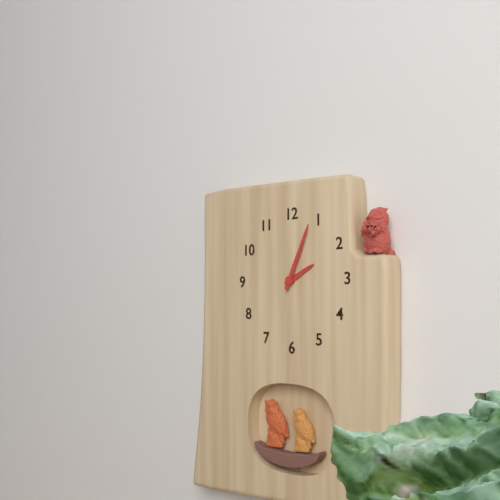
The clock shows h=2 m=4
